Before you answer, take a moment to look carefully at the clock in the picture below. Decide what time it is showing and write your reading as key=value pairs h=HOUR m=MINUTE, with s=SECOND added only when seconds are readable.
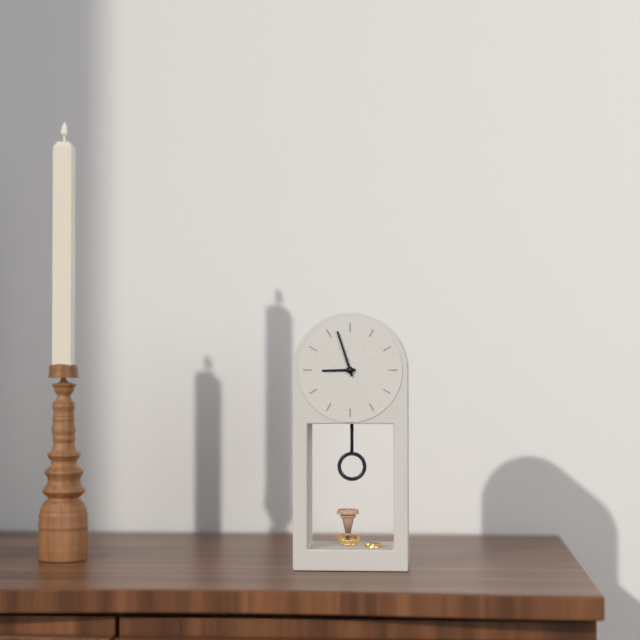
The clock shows h=8 m=57
